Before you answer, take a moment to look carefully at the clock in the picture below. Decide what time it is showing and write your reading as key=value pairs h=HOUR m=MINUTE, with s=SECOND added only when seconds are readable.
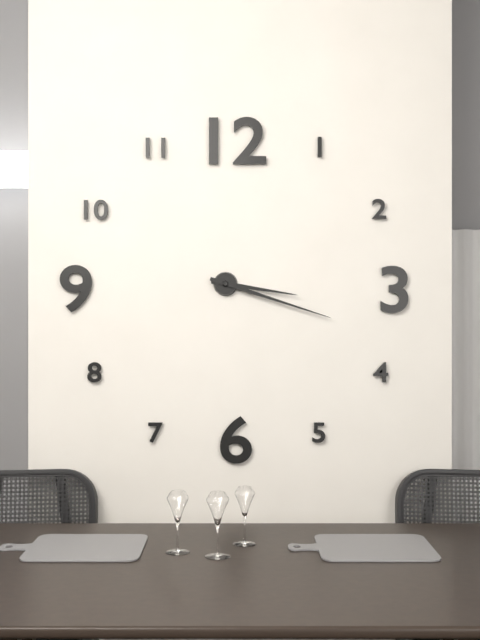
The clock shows h=3 m=18
